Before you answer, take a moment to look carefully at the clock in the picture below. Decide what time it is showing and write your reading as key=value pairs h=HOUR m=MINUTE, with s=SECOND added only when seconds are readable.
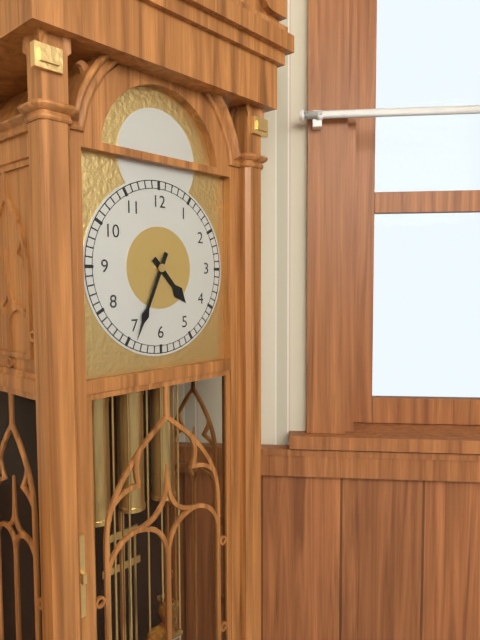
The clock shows h=4 m=34
